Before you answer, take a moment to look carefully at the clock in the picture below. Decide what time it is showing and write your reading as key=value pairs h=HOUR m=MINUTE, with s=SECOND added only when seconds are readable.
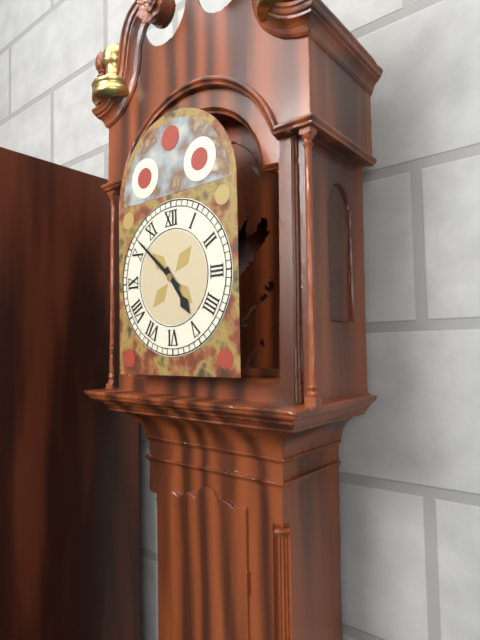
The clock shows h=4 m=52
